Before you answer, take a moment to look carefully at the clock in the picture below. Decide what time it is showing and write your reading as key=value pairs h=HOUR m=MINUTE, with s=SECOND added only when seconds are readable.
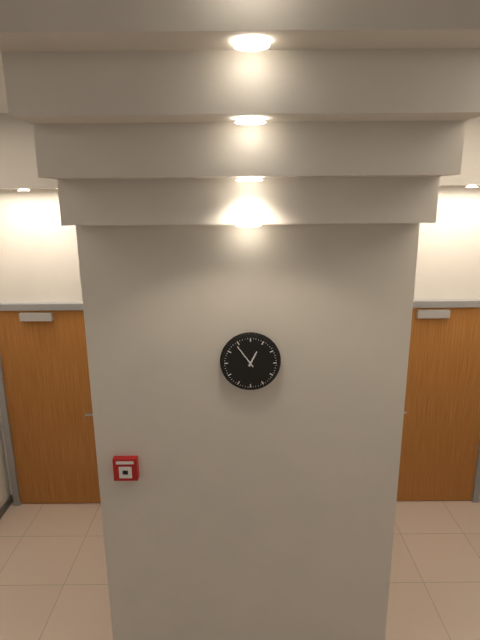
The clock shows h=12 m=54
